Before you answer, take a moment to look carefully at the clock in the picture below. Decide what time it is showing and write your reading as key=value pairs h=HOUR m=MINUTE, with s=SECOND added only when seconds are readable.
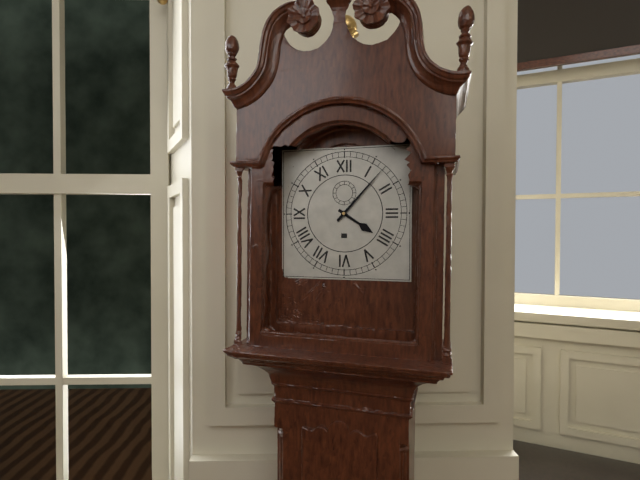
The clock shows h=4 m=7
